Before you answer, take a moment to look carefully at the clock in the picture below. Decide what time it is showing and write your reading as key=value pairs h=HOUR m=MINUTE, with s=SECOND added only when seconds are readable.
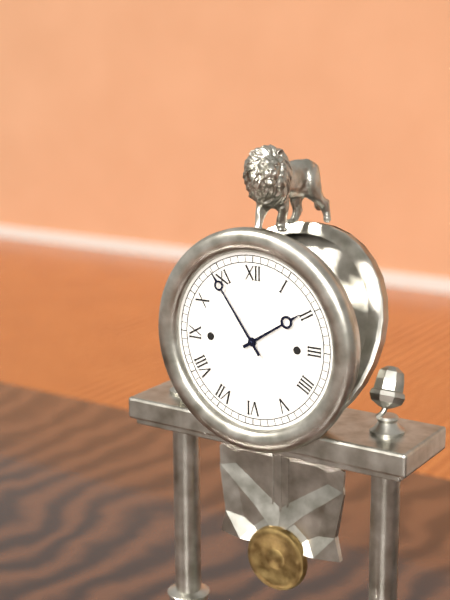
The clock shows h=1 m=54
